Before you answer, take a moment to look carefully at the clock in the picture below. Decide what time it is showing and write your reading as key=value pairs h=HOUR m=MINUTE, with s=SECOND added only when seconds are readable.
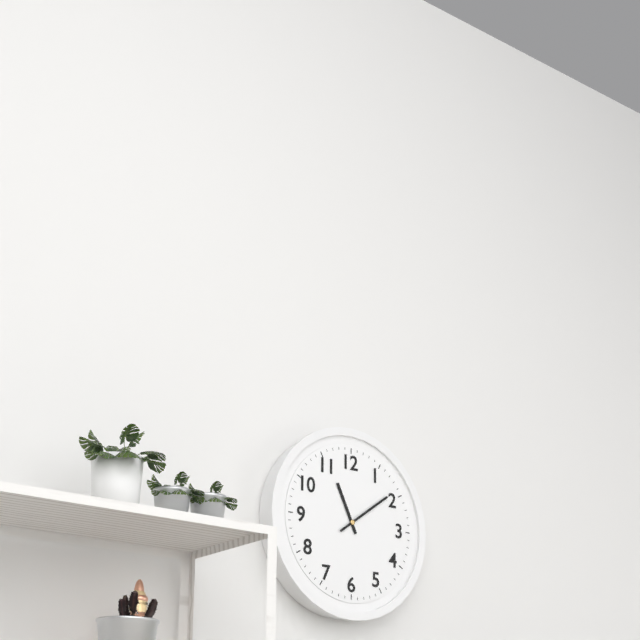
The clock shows h=11 m=9
